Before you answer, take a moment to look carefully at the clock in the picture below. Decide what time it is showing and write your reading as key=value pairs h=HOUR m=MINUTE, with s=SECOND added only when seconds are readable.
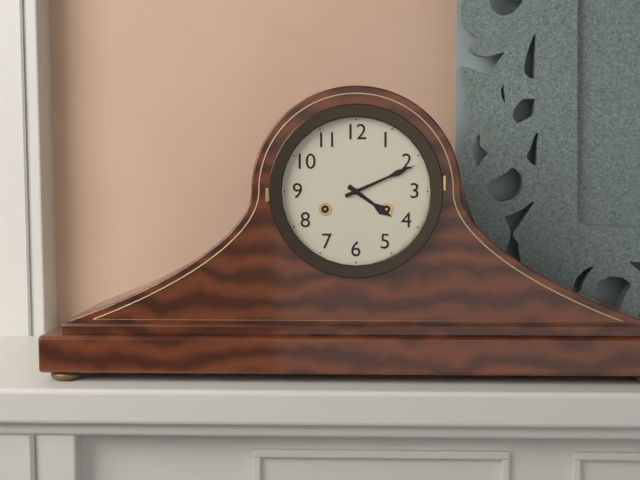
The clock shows h=4 m=11
